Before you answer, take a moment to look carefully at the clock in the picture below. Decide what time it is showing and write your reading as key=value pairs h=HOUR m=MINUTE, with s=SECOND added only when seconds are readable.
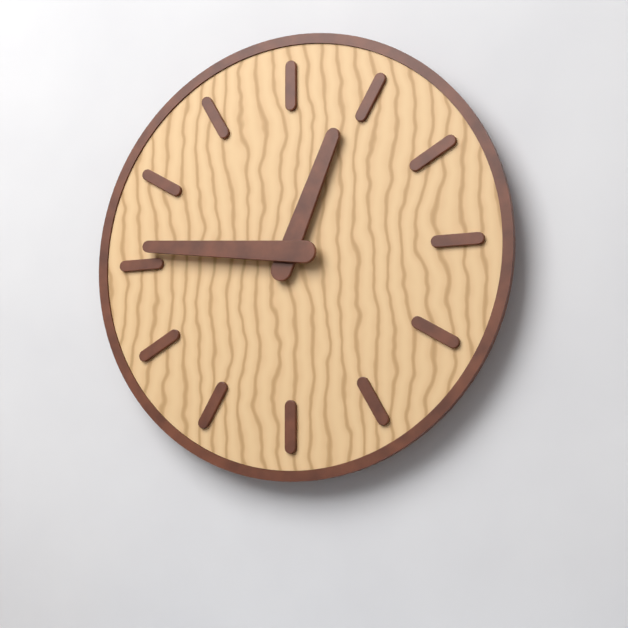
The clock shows h=12 m=46
